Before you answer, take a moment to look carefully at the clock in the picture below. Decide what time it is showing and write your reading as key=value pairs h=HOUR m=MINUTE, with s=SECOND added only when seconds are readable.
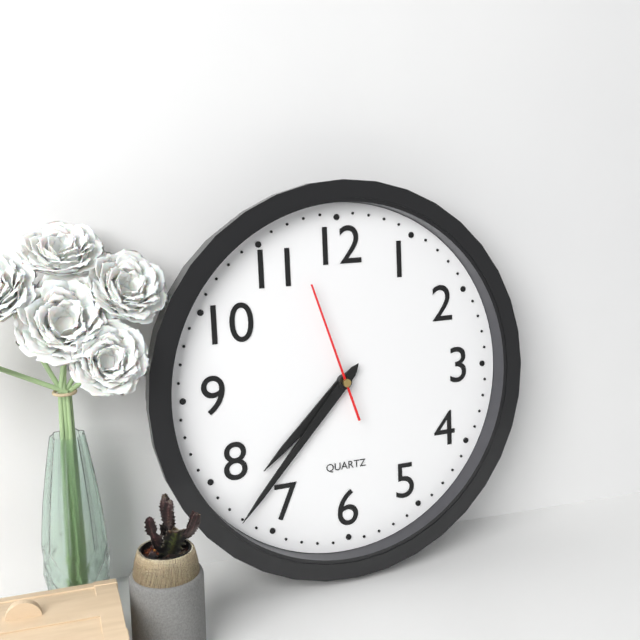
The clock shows h=7 m=37 s=57
